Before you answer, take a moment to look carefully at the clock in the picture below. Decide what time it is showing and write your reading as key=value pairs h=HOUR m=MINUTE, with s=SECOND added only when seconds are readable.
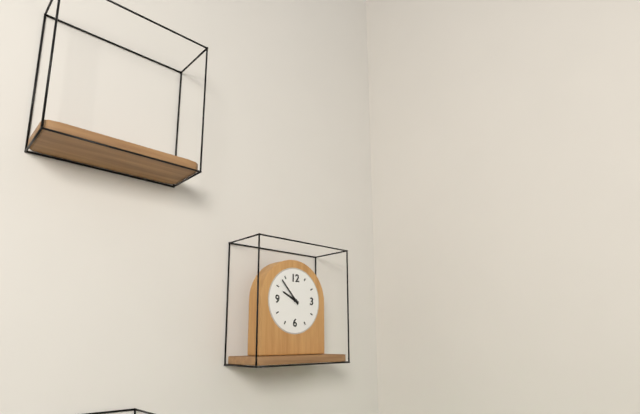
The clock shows h=9 m=53
